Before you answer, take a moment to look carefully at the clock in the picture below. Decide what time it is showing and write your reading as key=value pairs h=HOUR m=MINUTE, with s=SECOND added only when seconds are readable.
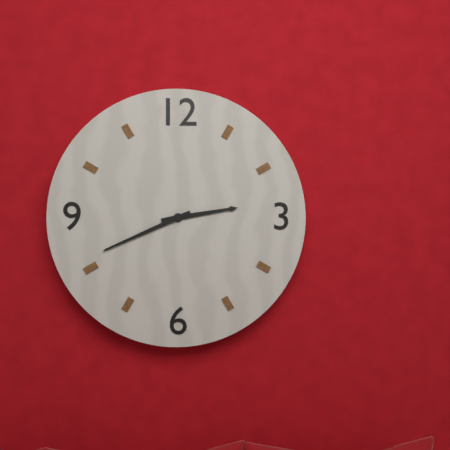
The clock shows h=2 m=41
